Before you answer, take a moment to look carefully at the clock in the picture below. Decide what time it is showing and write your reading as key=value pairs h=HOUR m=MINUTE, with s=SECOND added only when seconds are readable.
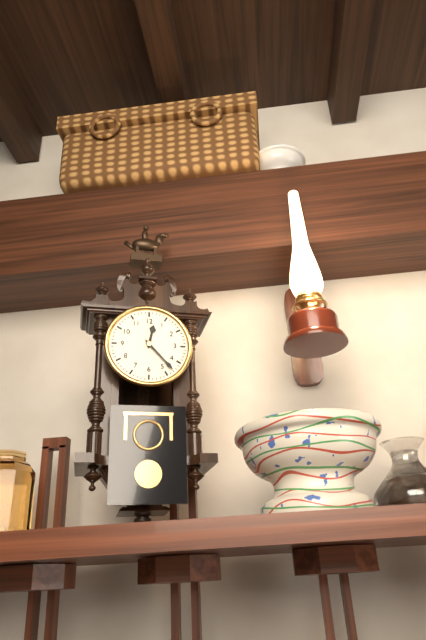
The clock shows h=12 m=23
